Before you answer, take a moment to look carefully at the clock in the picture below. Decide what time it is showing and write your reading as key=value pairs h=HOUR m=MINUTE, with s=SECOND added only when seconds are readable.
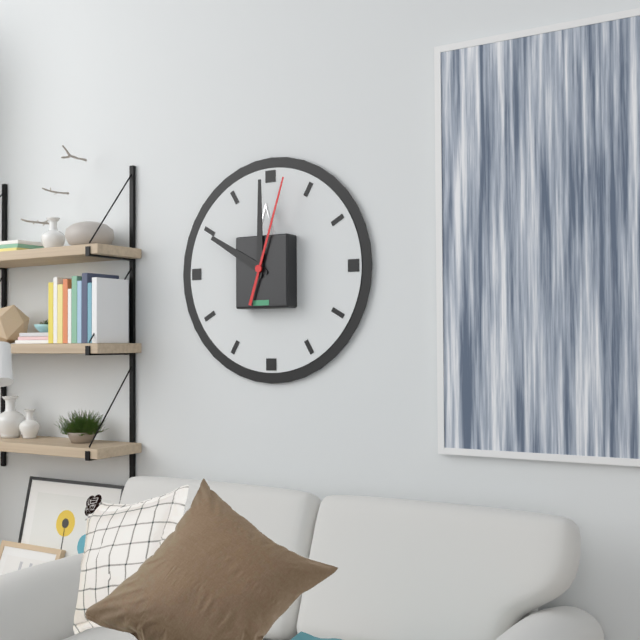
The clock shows h=10 m=0 s=3
